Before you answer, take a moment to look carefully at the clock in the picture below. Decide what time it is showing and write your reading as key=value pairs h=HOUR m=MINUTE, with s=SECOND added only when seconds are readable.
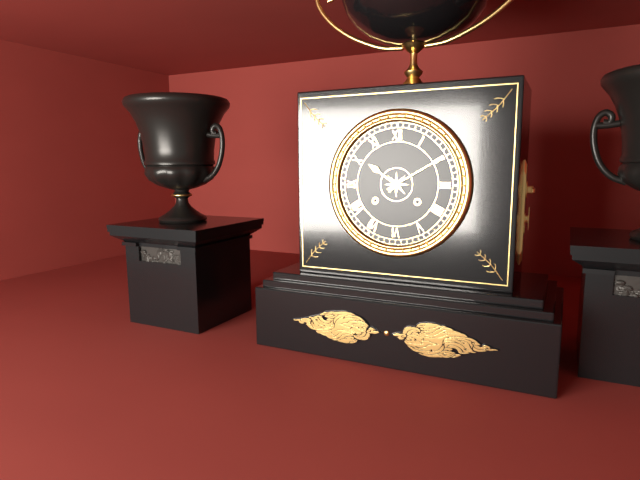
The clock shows h=10 m=10
